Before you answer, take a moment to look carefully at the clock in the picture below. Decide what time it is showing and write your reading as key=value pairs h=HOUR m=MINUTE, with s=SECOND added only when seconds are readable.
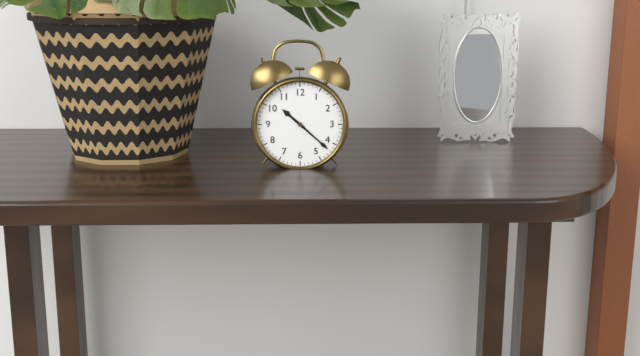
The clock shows h=10 m=22
